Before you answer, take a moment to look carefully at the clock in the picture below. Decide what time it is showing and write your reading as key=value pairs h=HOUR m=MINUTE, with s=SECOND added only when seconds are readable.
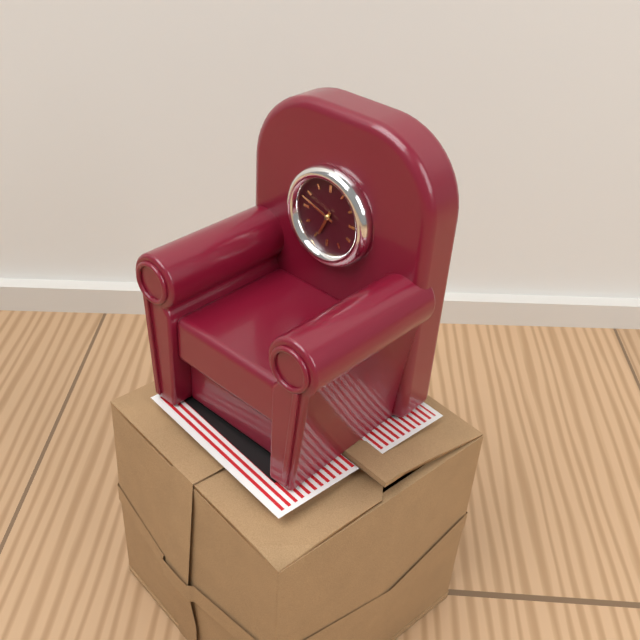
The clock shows h=6 m=48
